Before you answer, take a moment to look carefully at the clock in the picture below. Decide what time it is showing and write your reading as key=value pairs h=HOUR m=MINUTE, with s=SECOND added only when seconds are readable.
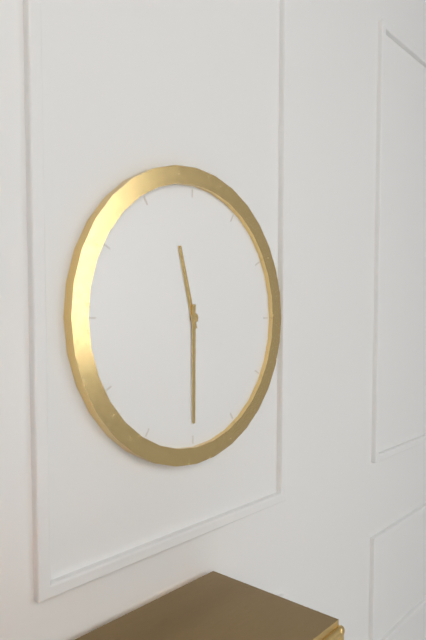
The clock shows h=11 m=30
